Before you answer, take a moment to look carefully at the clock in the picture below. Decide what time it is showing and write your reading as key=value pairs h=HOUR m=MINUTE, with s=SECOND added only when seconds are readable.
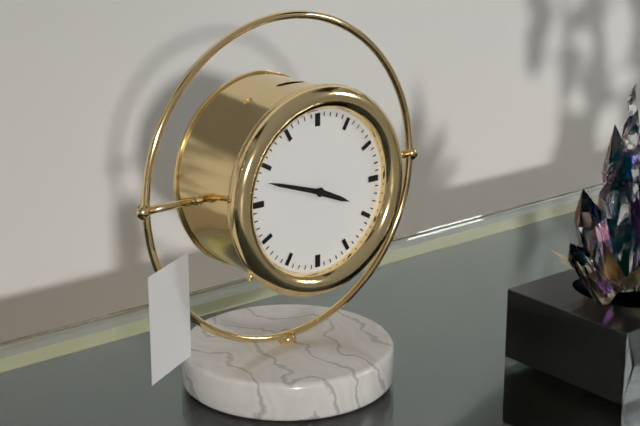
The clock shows h=3 m=48
